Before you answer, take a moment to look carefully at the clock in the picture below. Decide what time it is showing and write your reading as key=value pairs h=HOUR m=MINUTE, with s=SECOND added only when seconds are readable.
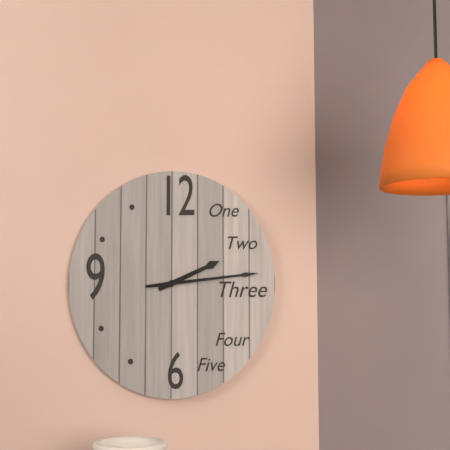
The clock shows h=2 m=14
